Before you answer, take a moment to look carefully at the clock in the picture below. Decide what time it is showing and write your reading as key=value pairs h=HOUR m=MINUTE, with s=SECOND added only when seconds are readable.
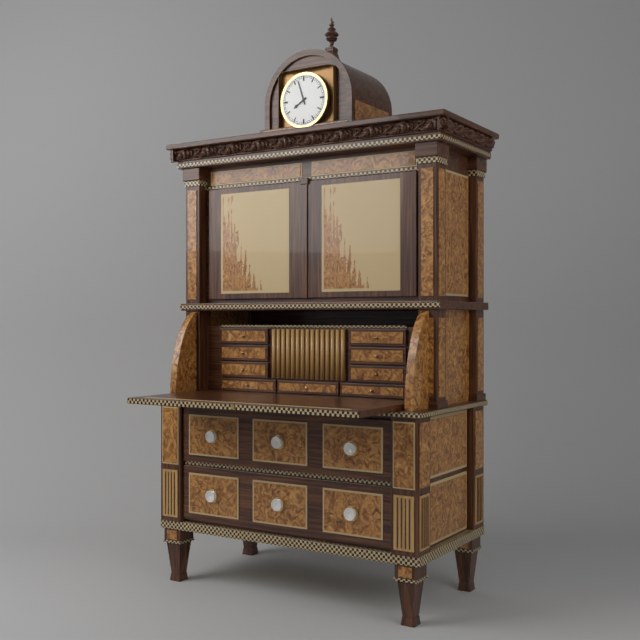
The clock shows h=7 m=57
